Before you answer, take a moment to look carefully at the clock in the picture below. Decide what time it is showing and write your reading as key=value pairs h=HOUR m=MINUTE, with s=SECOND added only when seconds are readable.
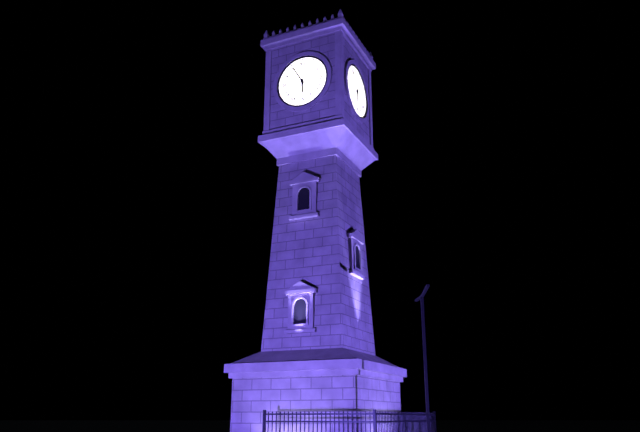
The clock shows h=5 m=55
